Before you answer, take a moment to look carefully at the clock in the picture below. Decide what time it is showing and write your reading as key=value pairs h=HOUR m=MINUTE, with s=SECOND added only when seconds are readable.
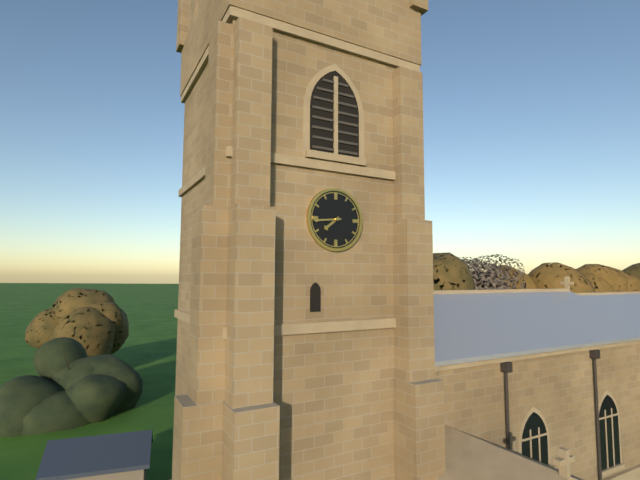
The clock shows h=7 m=44
